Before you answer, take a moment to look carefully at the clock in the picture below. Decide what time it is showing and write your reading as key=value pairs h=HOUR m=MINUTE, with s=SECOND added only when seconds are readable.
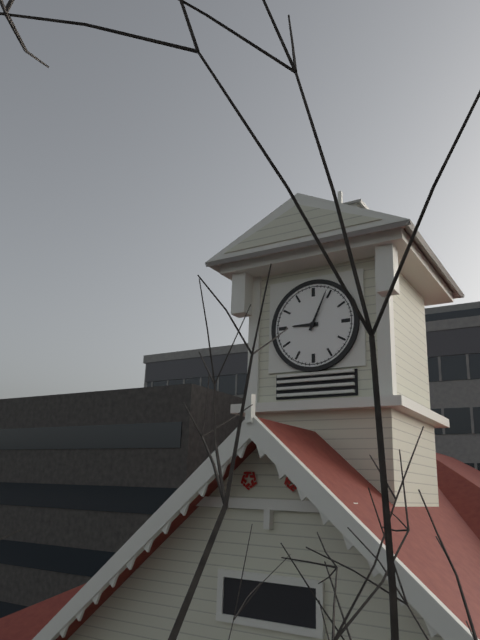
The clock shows h=9 m=4
